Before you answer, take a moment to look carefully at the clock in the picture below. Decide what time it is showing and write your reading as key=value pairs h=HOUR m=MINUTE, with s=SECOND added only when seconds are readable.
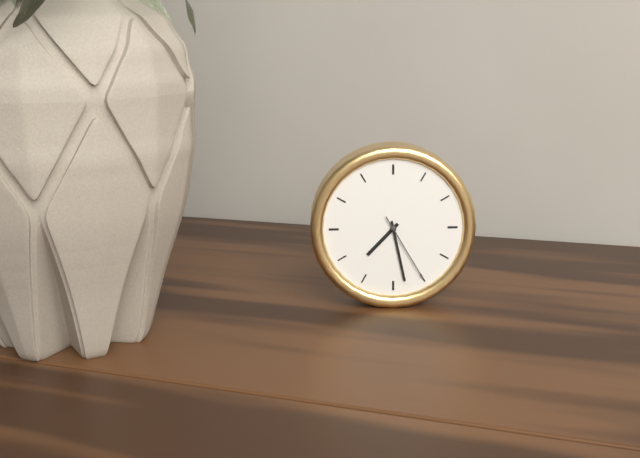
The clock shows h=7 m=28 s=25
